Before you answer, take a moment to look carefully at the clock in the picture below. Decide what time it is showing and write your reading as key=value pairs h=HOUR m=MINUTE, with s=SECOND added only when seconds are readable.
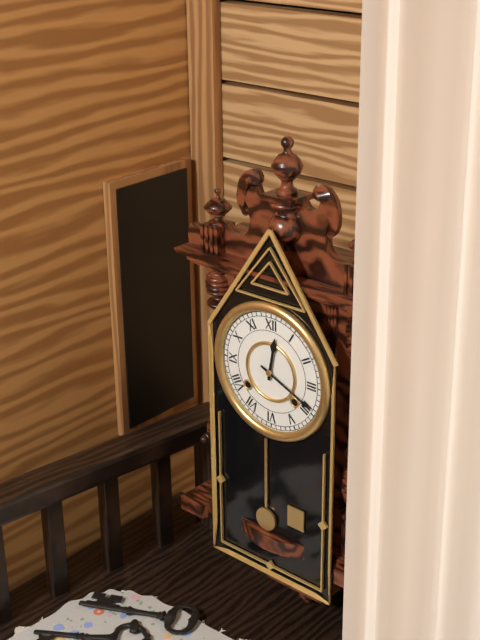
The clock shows h=12 m=19
